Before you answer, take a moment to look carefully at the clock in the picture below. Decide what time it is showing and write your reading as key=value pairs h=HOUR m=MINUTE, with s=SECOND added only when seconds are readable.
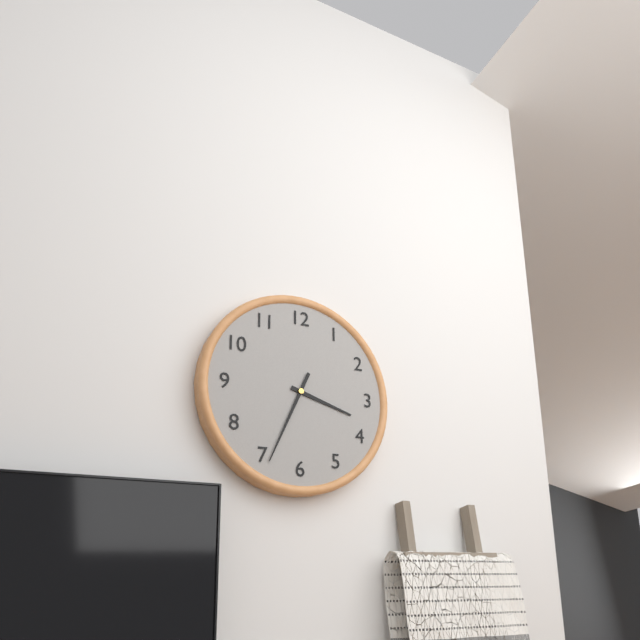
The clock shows h=3 m=34
